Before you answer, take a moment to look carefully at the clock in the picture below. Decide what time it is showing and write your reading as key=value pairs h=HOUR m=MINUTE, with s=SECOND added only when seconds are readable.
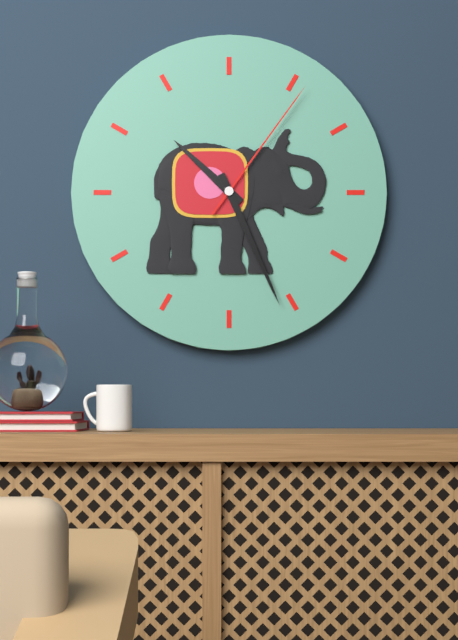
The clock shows h=10 m=26 s=6
